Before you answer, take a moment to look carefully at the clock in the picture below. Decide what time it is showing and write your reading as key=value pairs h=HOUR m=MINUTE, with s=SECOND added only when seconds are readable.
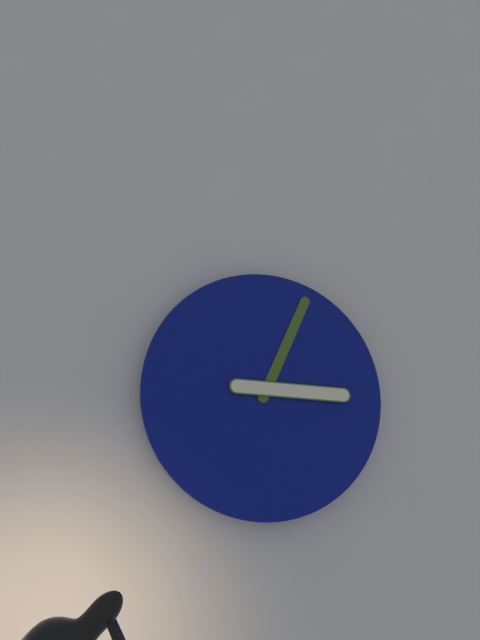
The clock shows h=3 m=4
